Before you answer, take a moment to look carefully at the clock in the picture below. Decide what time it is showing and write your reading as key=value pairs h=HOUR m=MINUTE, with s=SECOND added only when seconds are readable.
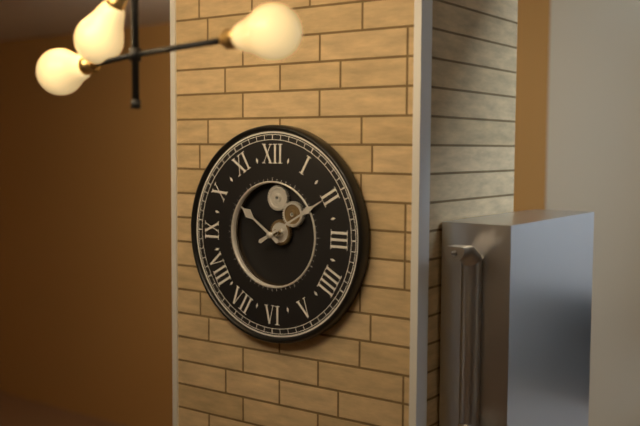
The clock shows h=10 m=10
